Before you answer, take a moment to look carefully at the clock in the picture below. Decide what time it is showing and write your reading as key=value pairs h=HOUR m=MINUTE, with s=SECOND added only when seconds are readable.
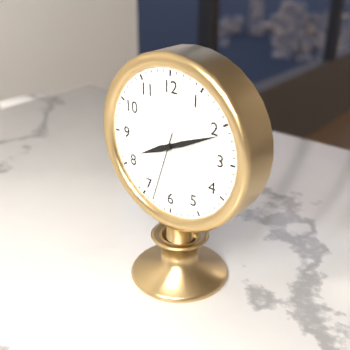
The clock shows h=8 m=11 s=33
